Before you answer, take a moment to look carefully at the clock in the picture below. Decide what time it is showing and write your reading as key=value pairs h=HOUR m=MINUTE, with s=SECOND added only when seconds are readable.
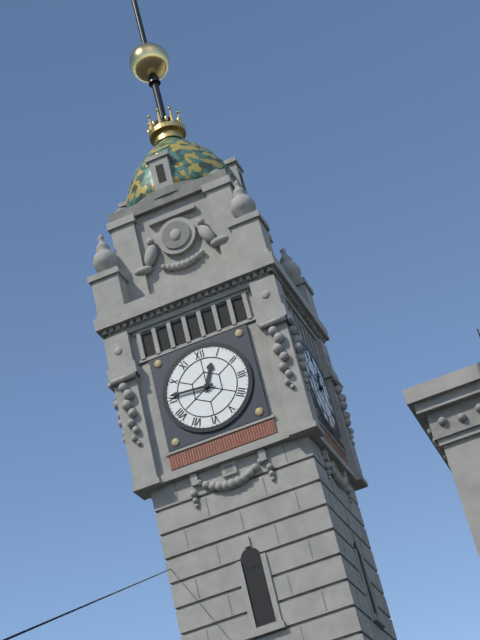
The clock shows h=12 m=46
